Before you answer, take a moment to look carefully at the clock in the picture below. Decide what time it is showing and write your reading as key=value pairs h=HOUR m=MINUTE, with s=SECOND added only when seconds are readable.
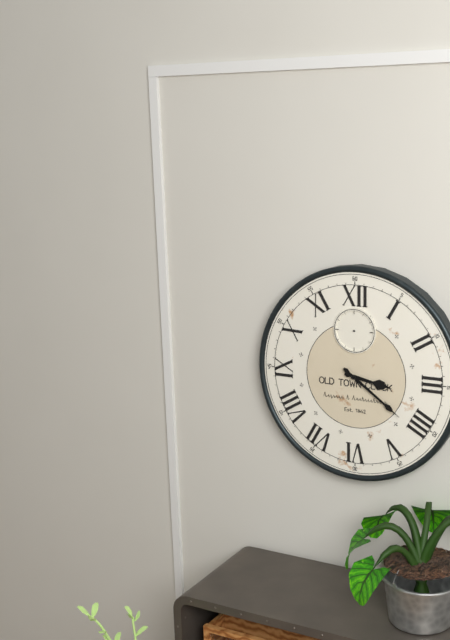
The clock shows h=3 m=21
